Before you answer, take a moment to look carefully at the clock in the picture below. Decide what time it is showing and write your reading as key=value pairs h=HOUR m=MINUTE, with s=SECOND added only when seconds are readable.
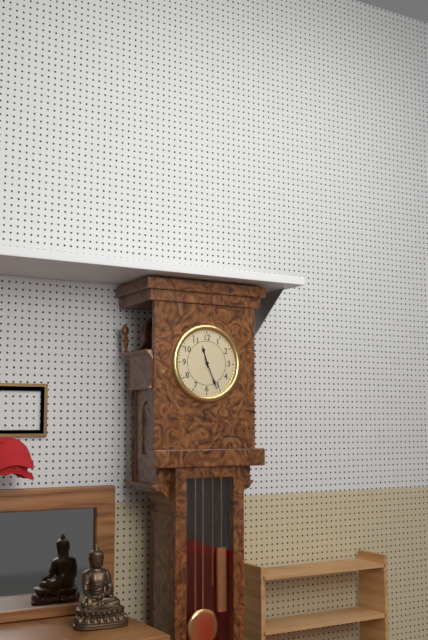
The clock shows h=11 m=26
